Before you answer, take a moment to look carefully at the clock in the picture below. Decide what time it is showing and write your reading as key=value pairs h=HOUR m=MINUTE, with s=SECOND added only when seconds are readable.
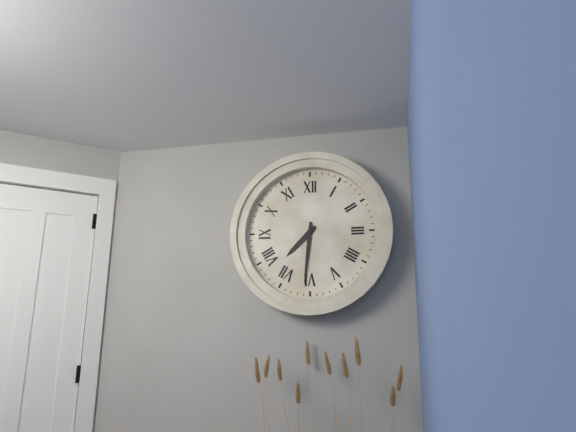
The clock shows h=7 m=31
